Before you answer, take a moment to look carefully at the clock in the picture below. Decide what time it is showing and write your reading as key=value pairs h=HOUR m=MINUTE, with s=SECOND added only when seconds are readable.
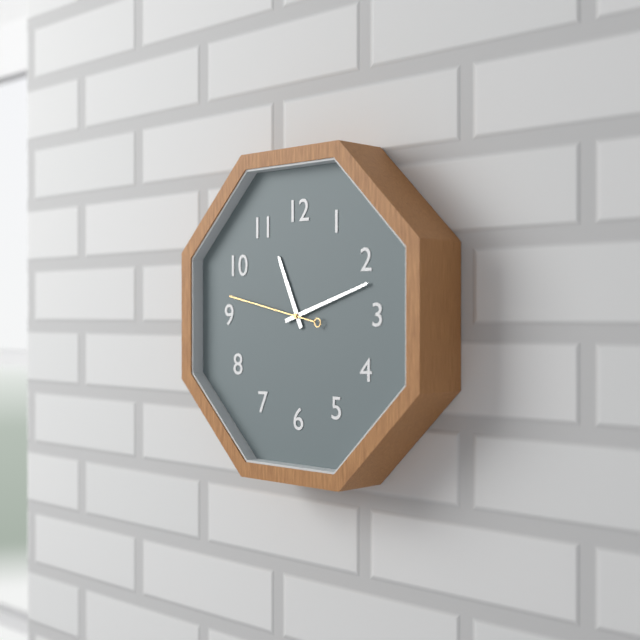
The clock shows h=11 m=12 s=47
